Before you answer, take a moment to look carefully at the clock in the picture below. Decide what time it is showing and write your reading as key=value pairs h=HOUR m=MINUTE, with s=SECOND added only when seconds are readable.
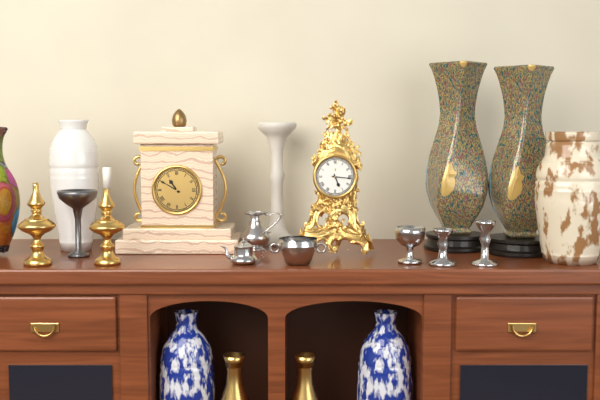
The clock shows h=5 m=16
